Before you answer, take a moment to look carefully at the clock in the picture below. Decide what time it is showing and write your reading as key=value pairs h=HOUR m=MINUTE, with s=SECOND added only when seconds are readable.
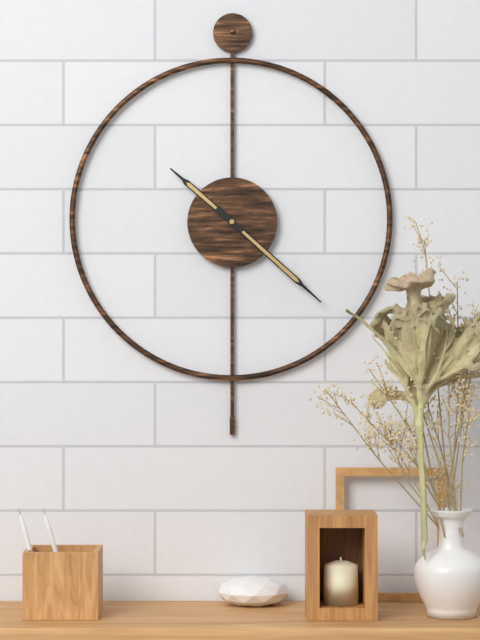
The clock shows h=10 m=22
